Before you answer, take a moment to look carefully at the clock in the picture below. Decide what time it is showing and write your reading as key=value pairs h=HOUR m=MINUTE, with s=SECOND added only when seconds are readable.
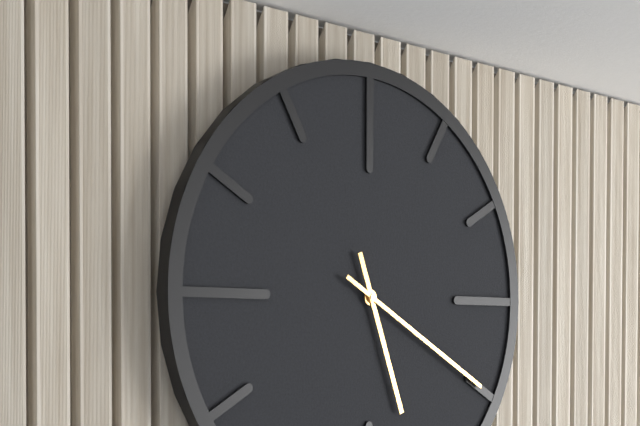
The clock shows h=5 m=20
